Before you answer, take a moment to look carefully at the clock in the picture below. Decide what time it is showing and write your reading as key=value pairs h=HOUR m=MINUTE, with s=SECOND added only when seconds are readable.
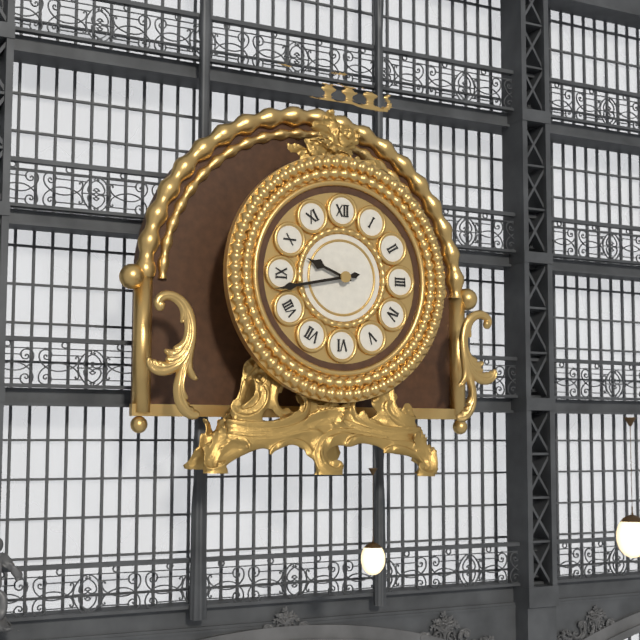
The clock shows h=9 m=43
